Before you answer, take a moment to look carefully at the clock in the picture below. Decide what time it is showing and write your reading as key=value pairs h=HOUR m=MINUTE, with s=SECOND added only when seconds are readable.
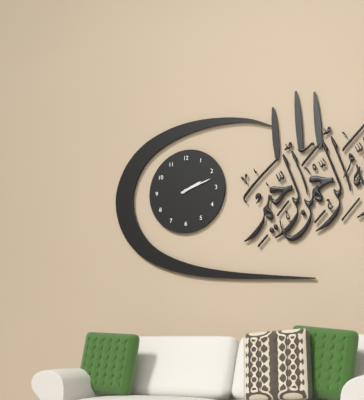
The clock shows h=2 m=12
